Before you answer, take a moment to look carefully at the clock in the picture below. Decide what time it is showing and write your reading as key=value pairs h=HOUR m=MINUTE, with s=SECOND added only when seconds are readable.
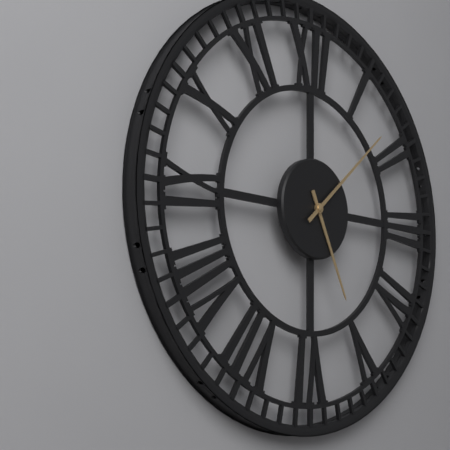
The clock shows h=5 m=8
